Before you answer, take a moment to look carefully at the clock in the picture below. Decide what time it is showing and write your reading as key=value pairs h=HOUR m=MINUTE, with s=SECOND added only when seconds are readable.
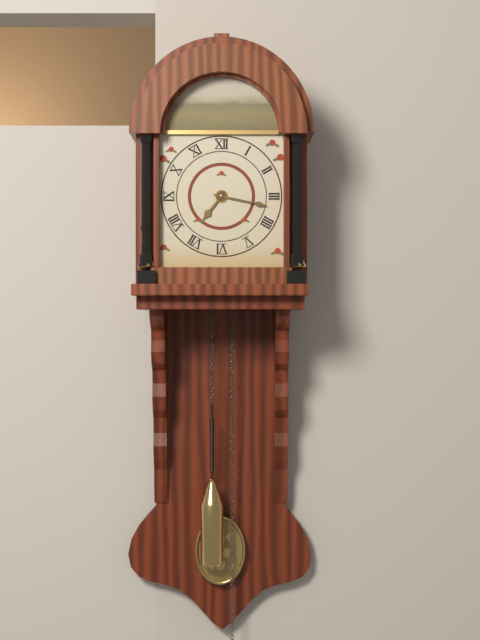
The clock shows h=7 m=17
